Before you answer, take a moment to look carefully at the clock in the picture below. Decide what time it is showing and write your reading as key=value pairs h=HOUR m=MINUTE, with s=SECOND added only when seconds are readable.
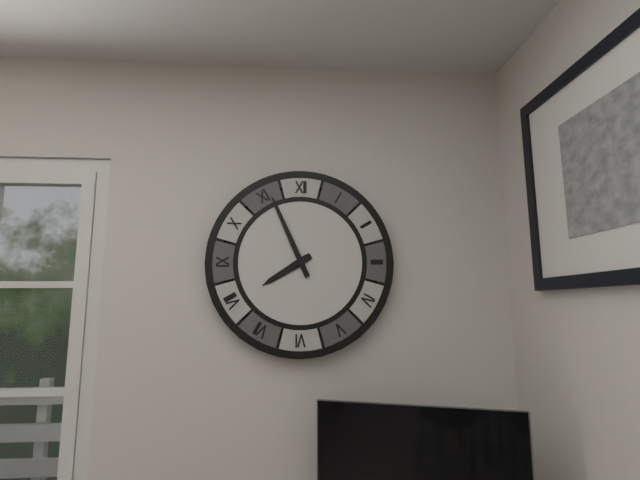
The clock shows h=7 m=56
